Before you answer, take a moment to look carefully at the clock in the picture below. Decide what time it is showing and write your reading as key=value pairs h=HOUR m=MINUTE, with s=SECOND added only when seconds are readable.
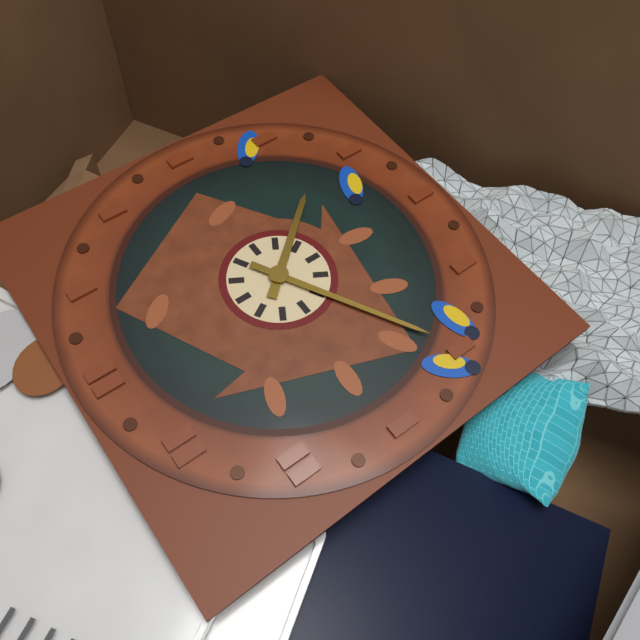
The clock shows h=4 m=40
